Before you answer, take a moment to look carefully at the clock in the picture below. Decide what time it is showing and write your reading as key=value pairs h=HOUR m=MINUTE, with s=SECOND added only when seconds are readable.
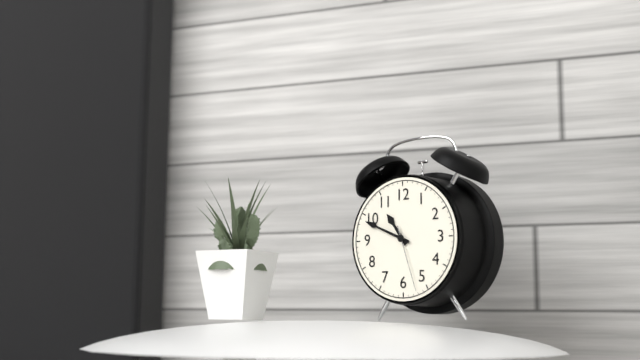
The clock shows h=10 m=49 s=27
